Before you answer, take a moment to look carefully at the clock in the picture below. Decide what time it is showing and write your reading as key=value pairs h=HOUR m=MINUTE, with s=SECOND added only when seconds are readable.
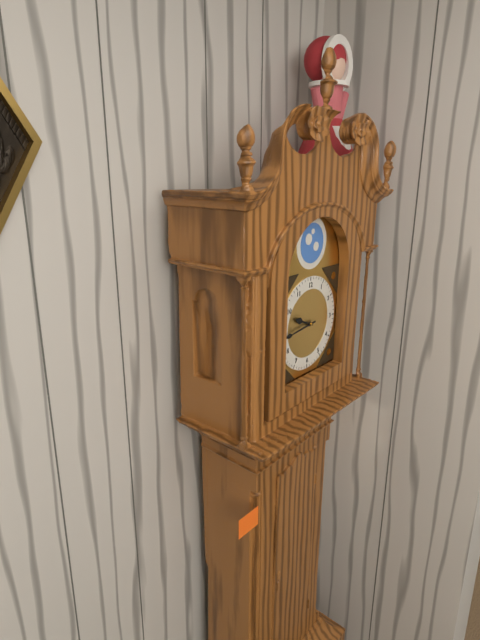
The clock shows h=9 m=44
